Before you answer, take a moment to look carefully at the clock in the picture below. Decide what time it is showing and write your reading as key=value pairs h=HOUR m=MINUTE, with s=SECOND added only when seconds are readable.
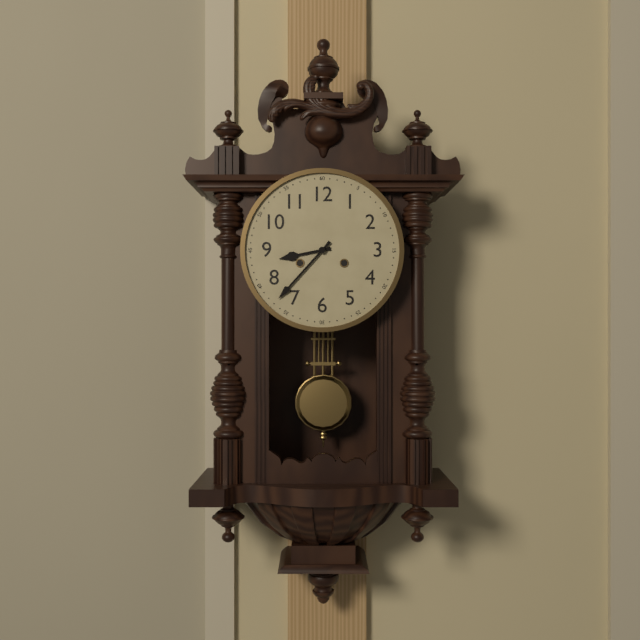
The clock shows h=8 m=37
